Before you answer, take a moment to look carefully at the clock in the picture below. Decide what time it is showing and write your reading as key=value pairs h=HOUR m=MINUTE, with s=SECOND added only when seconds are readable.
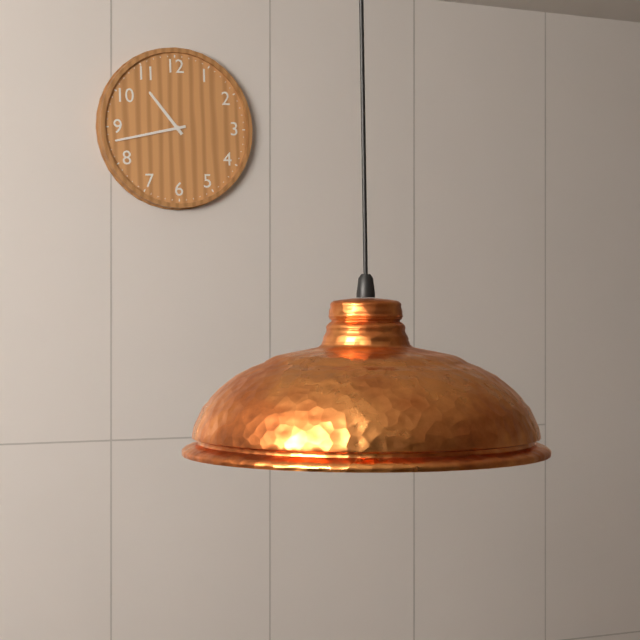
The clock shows h=10 m=43
